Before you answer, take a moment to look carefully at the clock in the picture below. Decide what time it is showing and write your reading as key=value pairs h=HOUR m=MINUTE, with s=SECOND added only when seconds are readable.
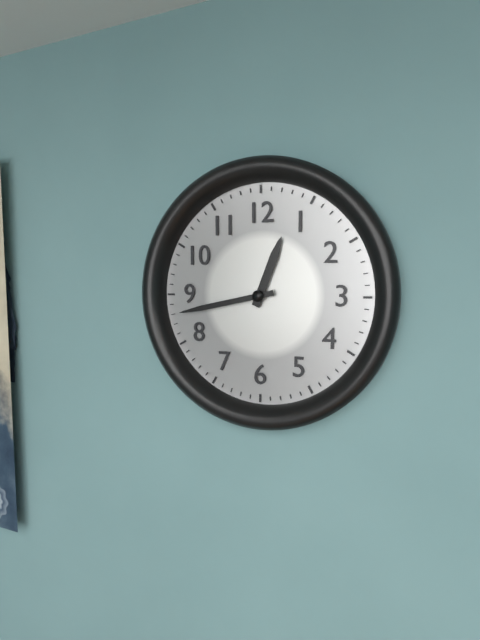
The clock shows h=12 m=43
